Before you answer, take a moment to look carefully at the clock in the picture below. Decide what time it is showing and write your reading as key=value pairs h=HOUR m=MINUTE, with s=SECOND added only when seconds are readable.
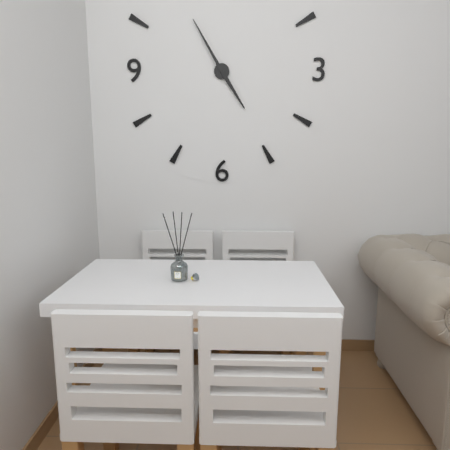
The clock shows h=4 m=55
